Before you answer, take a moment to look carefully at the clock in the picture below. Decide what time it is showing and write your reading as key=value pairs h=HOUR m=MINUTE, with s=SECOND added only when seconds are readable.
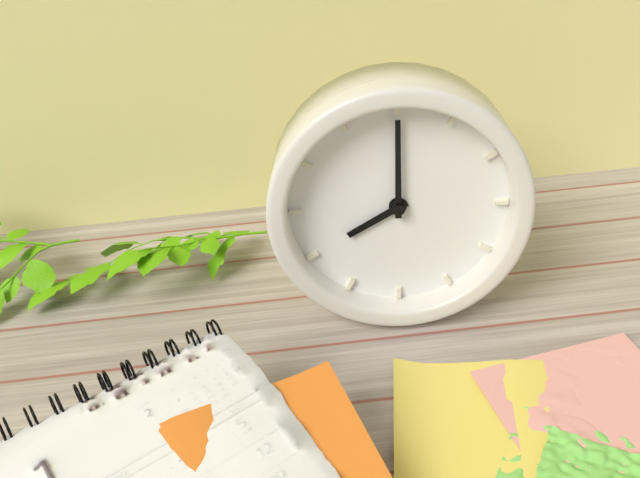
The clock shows h=8 m=0
